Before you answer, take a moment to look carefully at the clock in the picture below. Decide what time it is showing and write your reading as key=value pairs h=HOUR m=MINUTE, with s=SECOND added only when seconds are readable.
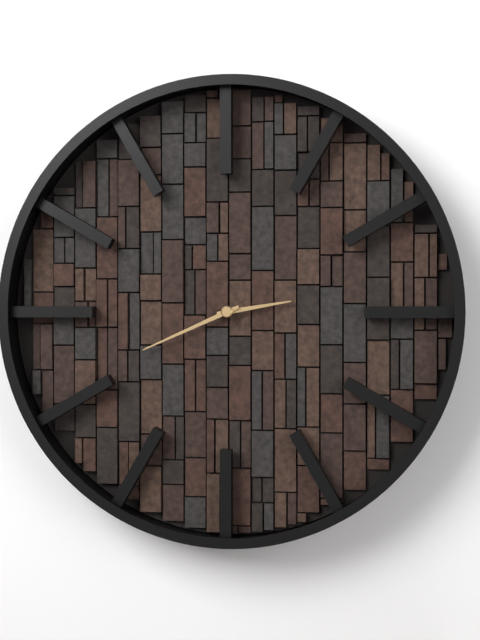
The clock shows h=2 m=41
